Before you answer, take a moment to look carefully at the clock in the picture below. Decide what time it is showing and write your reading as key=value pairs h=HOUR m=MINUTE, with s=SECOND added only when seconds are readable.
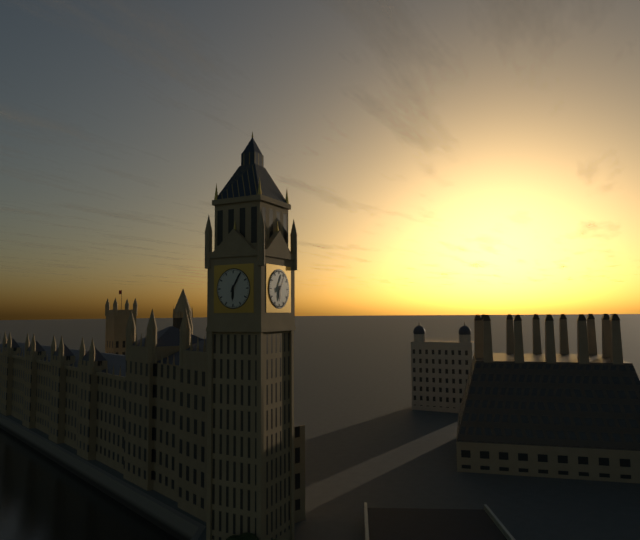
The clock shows h=6 m=5
